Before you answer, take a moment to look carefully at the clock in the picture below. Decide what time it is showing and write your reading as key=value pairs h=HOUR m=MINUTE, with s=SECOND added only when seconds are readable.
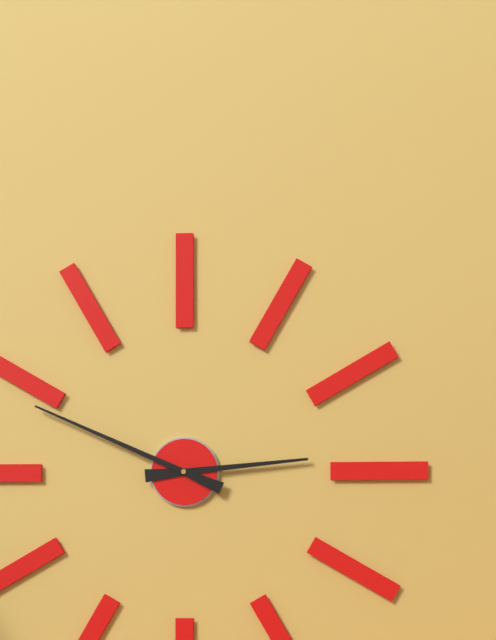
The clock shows h=2 m=49
